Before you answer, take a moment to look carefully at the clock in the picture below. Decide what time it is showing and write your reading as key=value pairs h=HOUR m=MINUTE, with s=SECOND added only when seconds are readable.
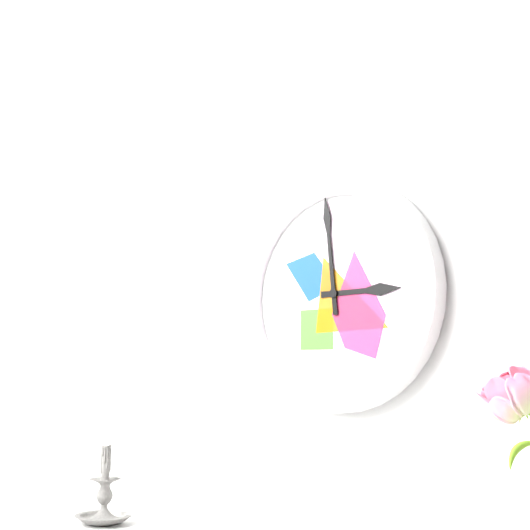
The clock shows h=2 m=59
